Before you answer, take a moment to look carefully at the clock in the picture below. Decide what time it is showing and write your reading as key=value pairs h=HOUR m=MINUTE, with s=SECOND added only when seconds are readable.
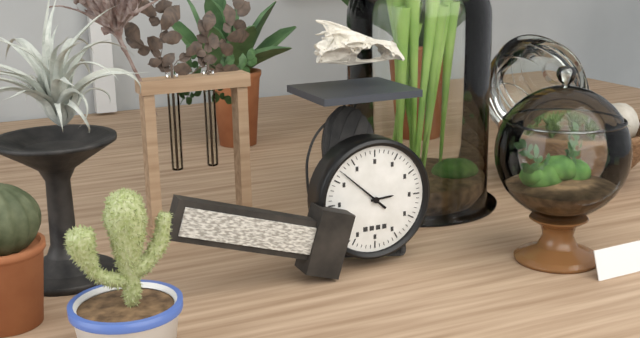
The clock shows h=2 m=52
